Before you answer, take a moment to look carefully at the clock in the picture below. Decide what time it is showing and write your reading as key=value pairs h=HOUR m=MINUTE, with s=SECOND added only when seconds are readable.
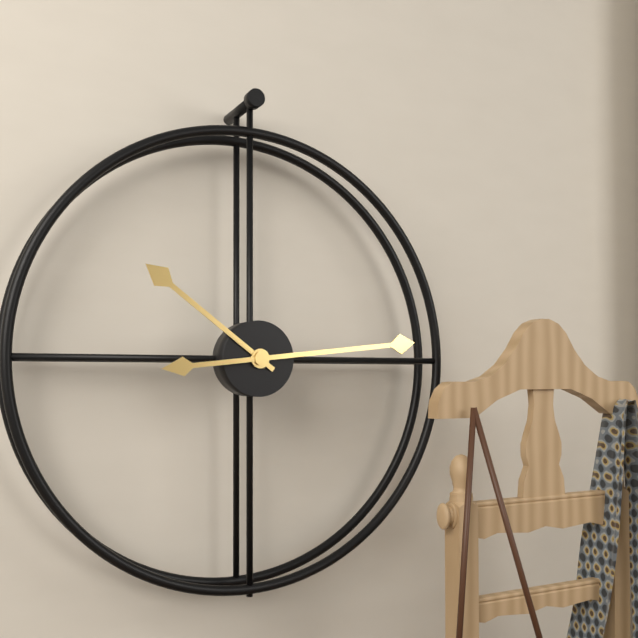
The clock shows h=10 m=14
